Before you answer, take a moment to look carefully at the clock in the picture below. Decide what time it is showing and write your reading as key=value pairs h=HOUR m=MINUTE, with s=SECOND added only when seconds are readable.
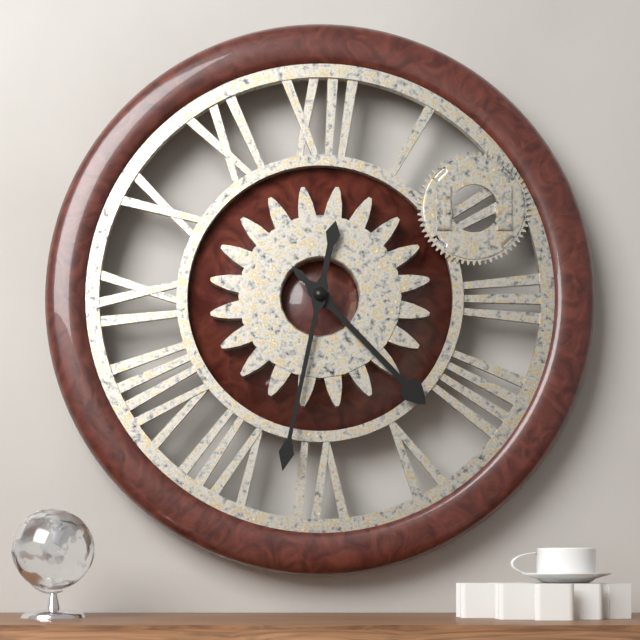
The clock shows h=4 m=32
